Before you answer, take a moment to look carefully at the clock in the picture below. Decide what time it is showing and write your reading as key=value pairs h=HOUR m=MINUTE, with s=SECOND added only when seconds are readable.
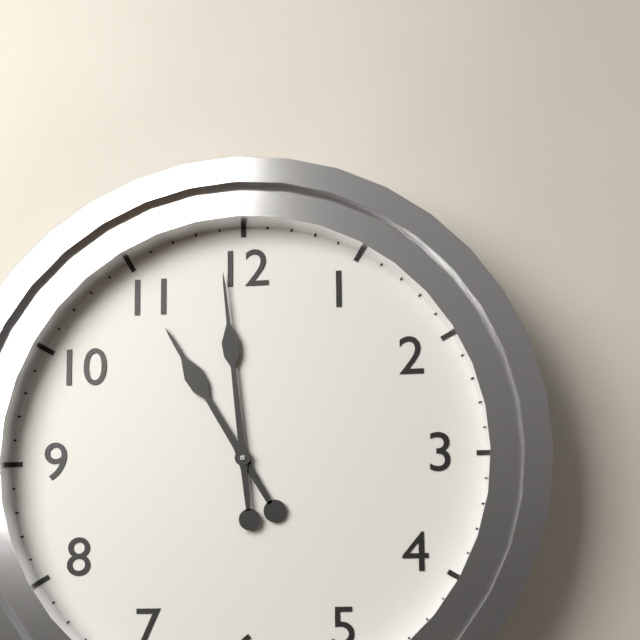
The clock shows h=10 m=59
